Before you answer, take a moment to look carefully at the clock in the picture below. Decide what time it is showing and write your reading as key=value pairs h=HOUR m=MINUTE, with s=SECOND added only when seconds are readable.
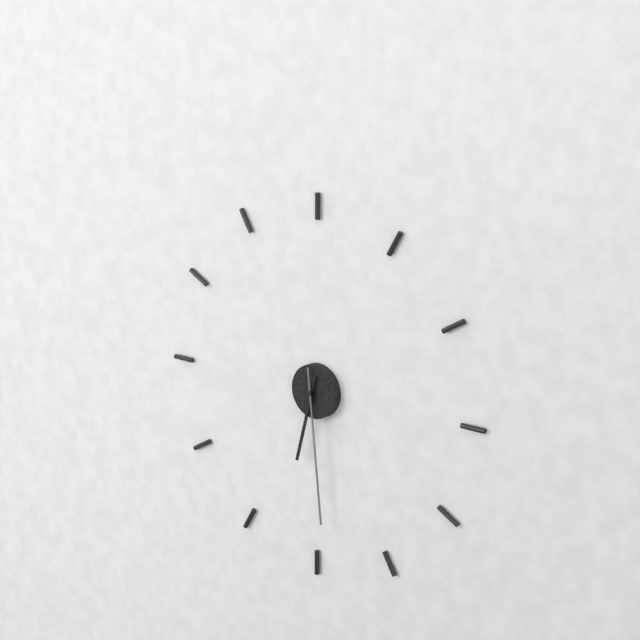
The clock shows h=6 m=29
